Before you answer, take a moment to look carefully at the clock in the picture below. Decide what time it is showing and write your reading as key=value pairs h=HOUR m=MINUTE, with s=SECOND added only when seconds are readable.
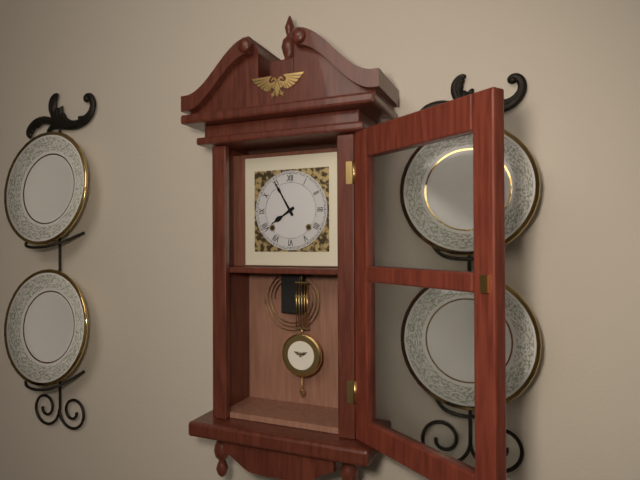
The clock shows h=7 m=55
